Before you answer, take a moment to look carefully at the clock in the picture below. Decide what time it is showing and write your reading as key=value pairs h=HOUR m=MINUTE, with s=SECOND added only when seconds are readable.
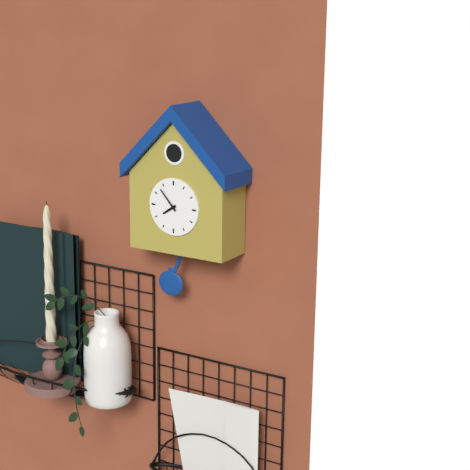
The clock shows h=7 m=53
